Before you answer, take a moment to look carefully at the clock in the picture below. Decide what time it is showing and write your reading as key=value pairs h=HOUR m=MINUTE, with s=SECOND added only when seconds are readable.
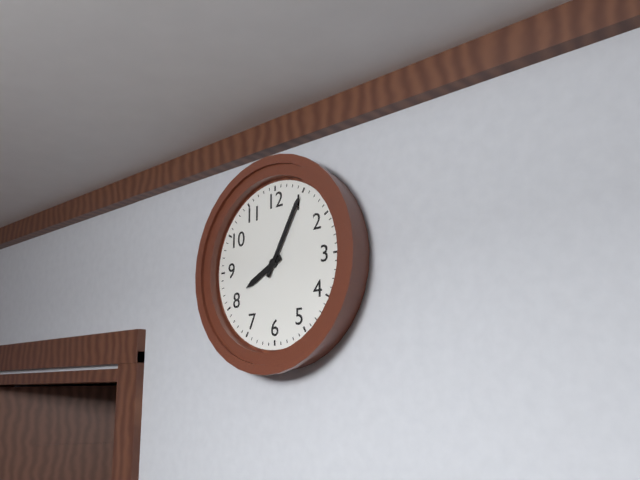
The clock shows h=8 m=5
